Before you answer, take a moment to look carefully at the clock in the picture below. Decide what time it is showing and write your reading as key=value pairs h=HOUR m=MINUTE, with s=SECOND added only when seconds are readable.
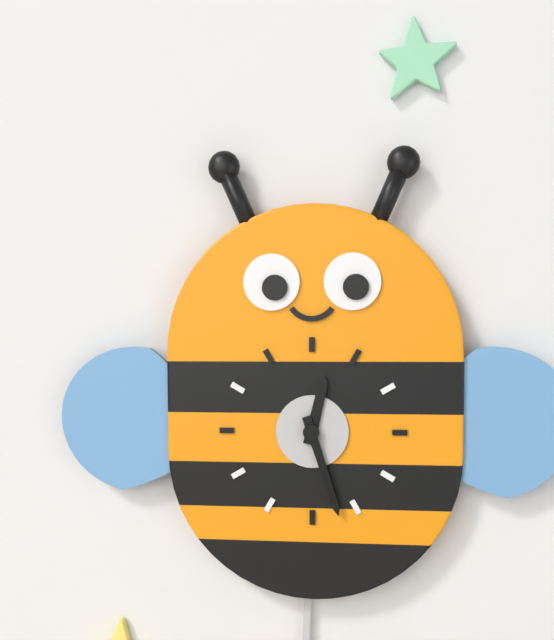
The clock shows h=12 m=27
